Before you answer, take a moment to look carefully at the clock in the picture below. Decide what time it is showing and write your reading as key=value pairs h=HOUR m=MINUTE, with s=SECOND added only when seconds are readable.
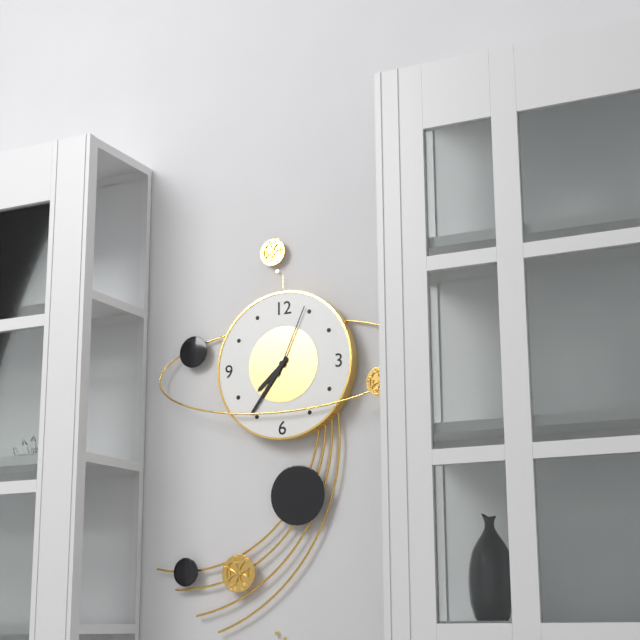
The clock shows h=7 m=36 s=4
